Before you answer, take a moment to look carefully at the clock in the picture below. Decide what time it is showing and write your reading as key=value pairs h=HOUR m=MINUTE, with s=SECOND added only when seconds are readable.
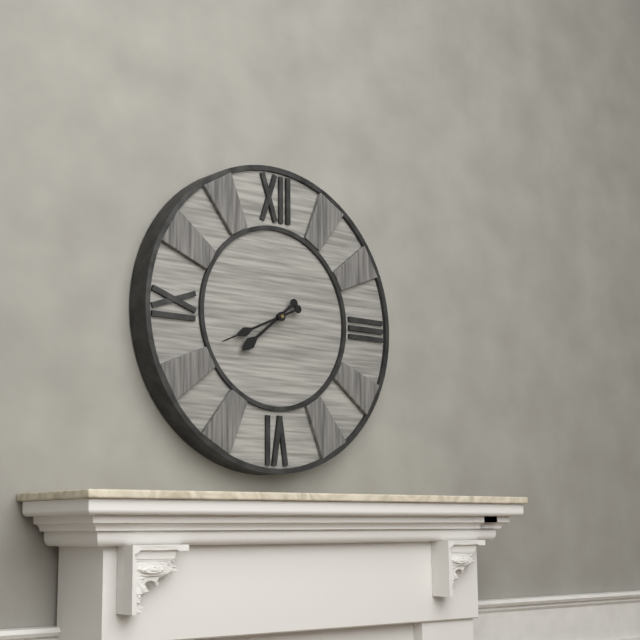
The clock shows h=7 m=41
